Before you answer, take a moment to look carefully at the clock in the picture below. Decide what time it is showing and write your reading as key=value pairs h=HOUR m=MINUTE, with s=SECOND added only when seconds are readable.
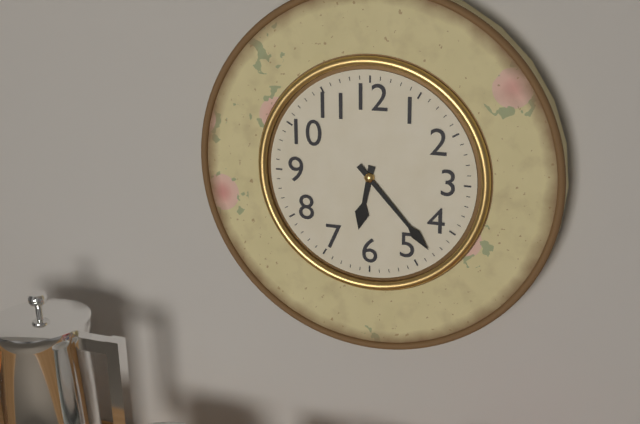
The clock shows h=6 m=23
